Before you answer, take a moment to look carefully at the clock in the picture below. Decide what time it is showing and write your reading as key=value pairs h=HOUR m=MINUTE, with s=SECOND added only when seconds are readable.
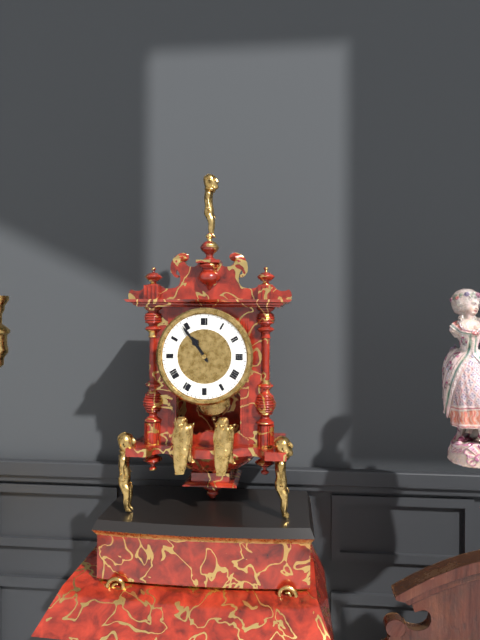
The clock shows h=10 m=54
